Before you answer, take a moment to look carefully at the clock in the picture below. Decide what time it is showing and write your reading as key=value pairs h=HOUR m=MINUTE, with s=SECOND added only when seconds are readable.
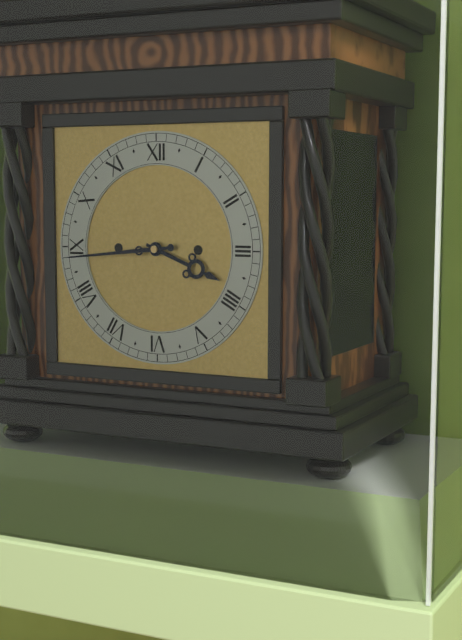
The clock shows h=3 m=44
